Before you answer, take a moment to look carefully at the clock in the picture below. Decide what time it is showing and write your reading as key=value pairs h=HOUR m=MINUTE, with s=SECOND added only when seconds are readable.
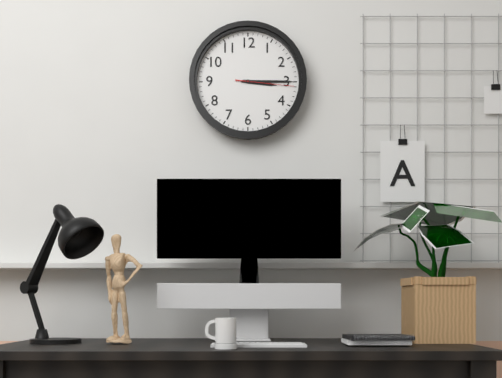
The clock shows h=3 m=15 s=16
